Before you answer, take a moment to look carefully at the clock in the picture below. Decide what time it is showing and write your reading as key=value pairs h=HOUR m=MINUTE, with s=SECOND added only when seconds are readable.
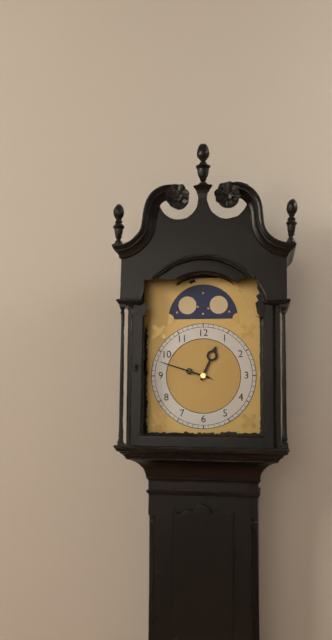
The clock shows h=12 m=48
